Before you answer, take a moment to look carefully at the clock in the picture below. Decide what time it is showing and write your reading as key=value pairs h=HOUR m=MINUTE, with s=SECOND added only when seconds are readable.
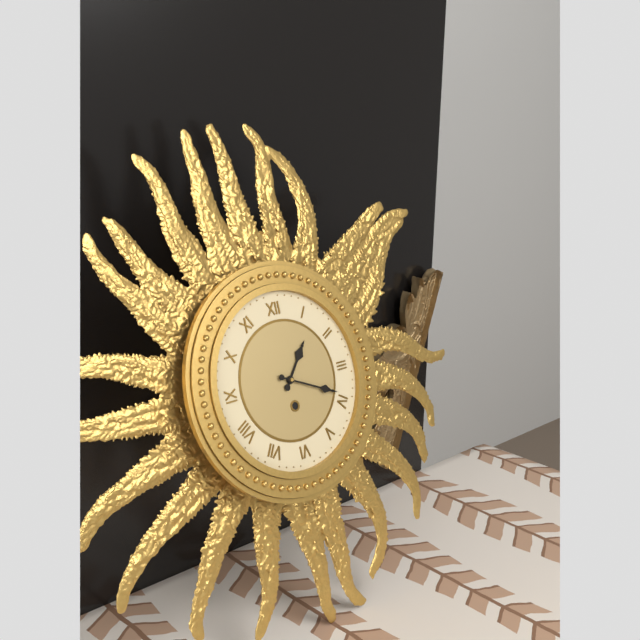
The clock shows h=1 m=19
